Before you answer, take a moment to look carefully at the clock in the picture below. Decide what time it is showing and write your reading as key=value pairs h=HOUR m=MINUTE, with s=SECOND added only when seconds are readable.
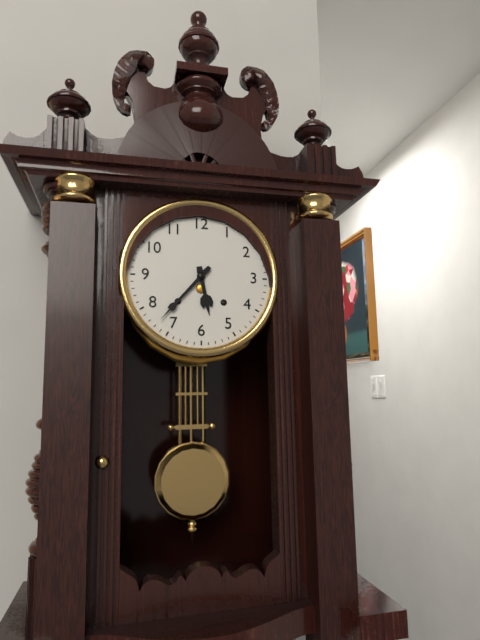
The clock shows h=5 m=37
